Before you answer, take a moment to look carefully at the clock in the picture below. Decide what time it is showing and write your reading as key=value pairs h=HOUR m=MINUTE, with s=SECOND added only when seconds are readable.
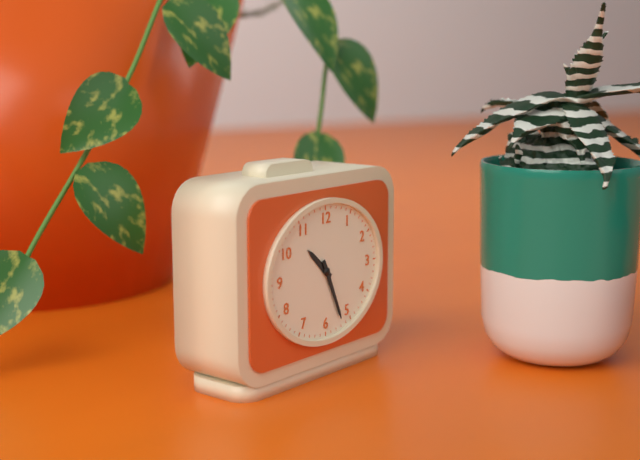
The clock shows h=10 m=26
